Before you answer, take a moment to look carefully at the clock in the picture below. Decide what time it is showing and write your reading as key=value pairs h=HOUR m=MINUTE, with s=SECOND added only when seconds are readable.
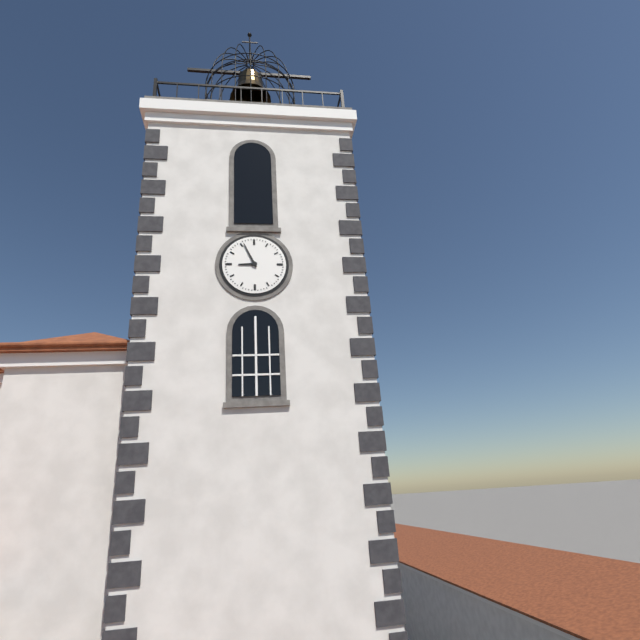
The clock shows h=8 m=56
